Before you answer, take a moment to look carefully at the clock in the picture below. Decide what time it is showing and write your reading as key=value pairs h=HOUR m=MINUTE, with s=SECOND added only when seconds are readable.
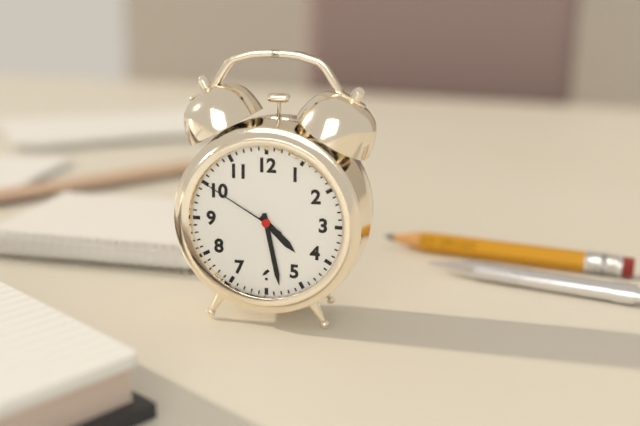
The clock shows h=4 m=28 s=50
